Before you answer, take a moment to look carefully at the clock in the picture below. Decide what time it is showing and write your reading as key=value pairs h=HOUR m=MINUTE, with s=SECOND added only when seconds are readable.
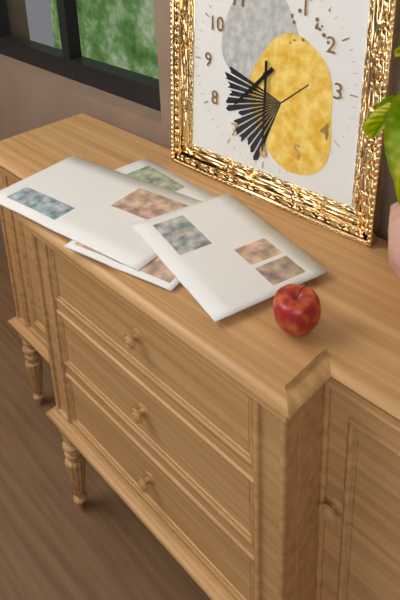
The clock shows h=7 m=30
